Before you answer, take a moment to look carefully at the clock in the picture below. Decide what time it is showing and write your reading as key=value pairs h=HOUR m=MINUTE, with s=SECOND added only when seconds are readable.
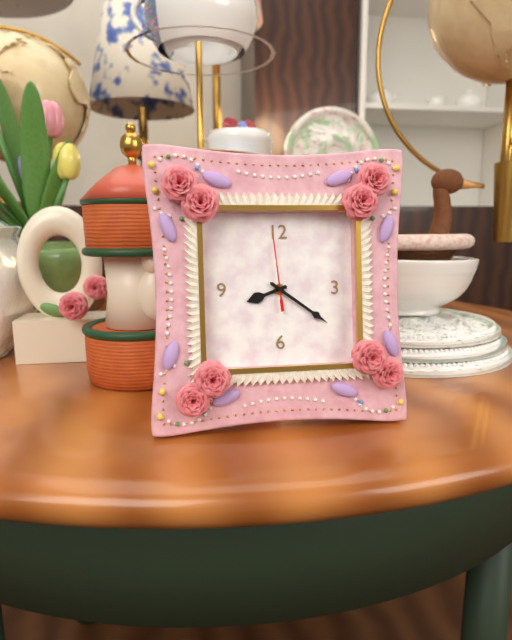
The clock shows h=8 m=21 s=59
